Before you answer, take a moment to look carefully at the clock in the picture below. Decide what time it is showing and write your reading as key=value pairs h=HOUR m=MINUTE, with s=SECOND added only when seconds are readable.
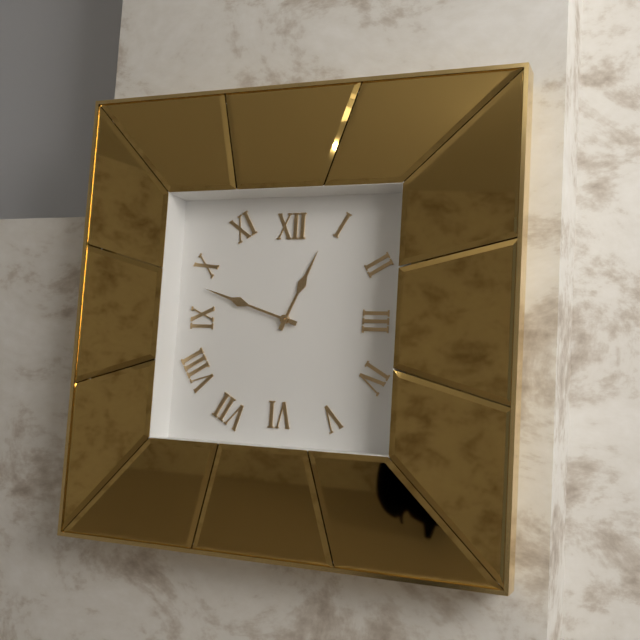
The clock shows h=12 m=48
